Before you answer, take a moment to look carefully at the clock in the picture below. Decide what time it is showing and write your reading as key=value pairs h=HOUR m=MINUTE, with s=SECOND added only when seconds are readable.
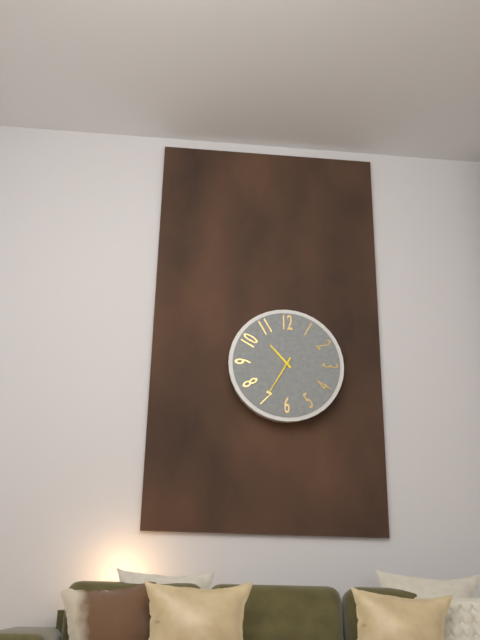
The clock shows h=10 m=35
